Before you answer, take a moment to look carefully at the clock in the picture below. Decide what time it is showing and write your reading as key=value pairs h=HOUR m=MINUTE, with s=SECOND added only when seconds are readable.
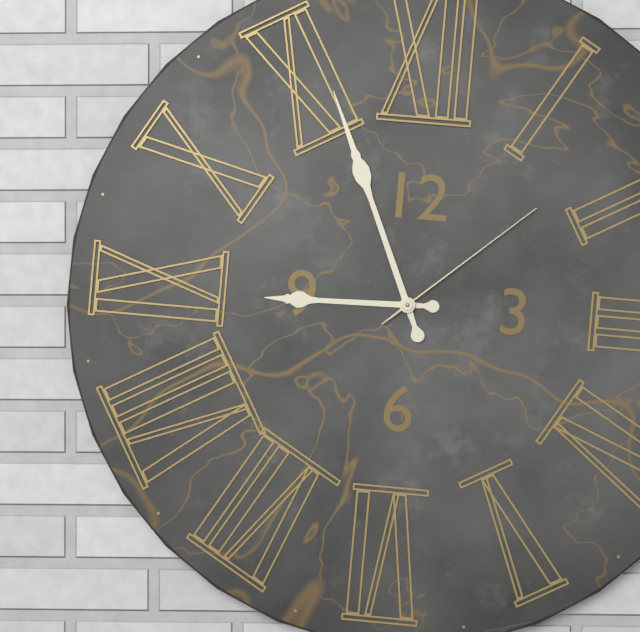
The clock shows h=8 m=56 s=8
